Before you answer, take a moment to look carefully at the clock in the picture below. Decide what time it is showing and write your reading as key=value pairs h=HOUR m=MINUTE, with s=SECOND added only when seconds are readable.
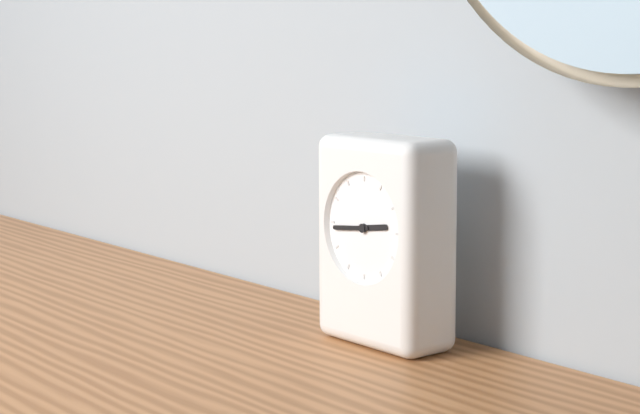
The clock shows h=2 m=44
